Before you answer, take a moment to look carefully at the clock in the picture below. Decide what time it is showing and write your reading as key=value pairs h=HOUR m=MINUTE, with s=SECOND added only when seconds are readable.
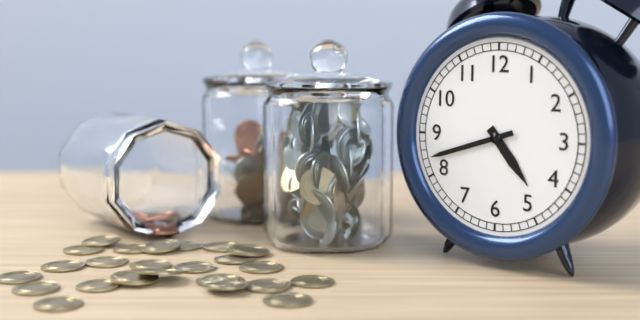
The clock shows h=4 m=42
